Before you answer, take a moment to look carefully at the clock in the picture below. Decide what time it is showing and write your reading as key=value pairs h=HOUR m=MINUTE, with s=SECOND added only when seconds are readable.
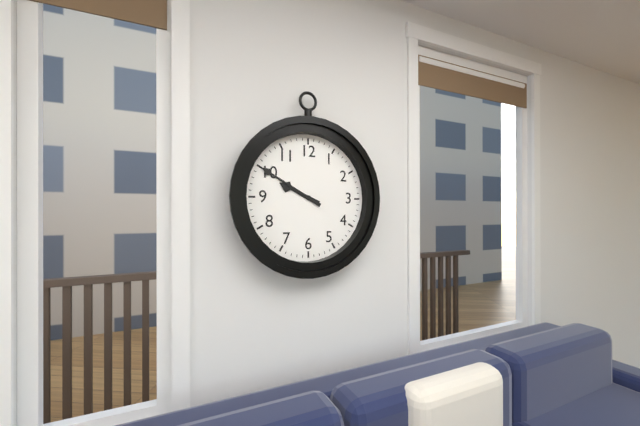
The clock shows h=9 m=50
